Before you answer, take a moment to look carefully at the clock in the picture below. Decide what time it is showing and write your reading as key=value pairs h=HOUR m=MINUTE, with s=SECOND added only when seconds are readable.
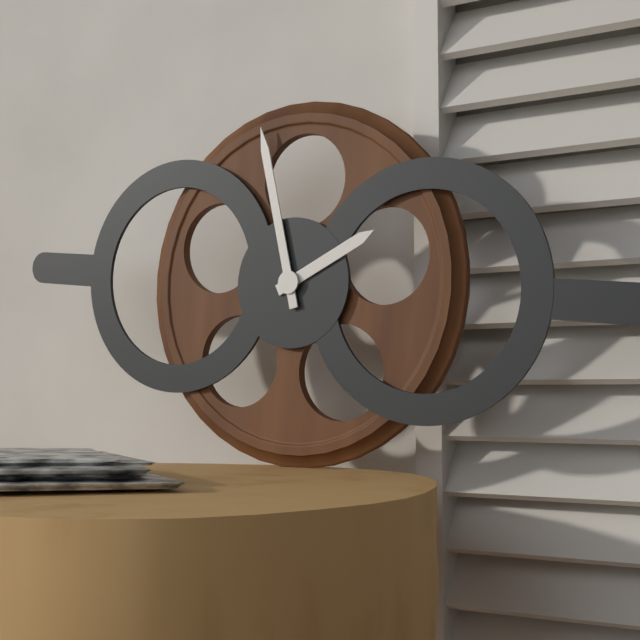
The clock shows h=1 m=57
